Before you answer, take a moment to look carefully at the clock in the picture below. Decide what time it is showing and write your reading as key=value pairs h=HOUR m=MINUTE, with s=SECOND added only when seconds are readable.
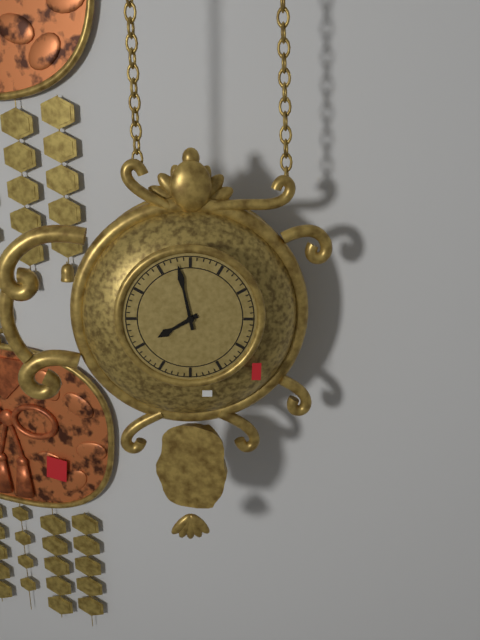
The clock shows h=7 m=58
